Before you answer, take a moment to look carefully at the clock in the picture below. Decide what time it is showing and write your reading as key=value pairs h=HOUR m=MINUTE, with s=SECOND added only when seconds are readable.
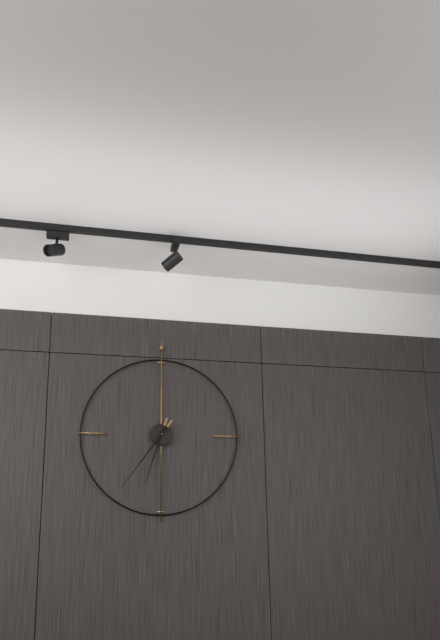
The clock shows h=6 m=36
